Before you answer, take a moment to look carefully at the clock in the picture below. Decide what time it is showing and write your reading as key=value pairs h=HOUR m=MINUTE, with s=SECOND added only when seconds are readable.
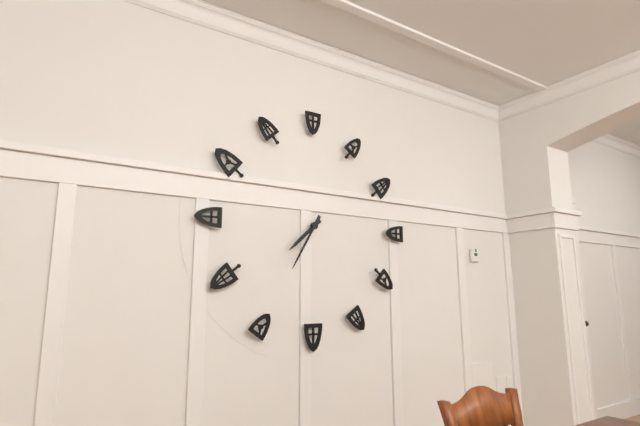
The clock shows h=7 m=35
